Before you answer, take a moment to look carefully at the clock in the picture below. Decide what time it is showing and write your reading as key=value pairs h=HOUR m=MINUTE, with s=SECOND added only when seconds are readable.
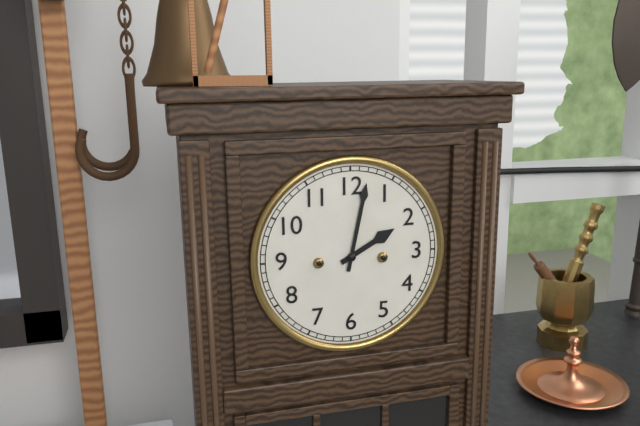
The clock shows h=2 m=2
